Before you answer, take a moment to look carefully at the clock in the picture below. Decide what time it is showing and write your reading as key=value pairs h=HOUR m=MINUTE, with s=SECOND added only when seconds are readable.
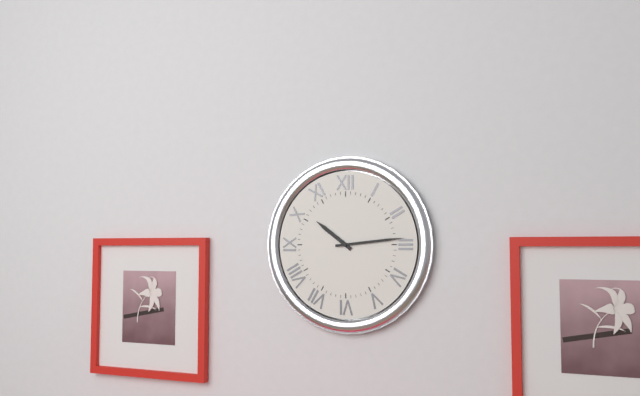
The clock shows h=10 m=14
